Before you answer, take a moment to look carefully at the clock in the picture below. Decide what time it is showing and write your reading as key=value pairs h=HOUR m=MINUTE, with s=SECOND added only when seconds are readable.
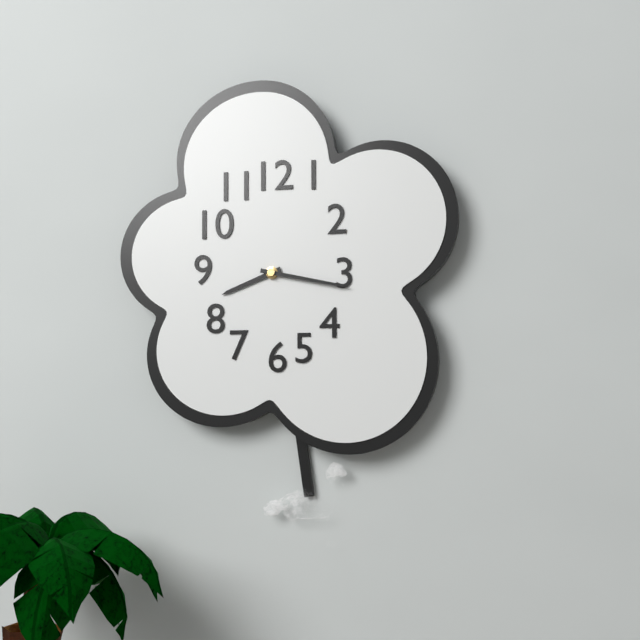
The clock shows h=8 m=17
